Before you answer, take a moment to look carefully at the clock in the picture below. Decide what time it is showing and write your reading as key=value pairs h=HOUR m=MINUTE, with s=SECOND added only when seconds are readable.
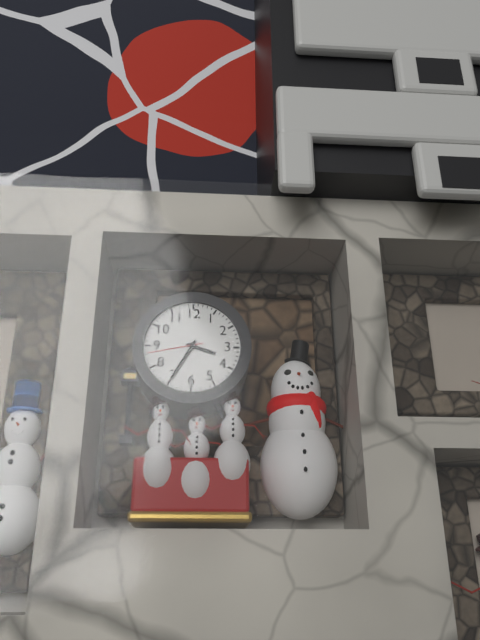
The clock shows h=3 m=35 s=43
